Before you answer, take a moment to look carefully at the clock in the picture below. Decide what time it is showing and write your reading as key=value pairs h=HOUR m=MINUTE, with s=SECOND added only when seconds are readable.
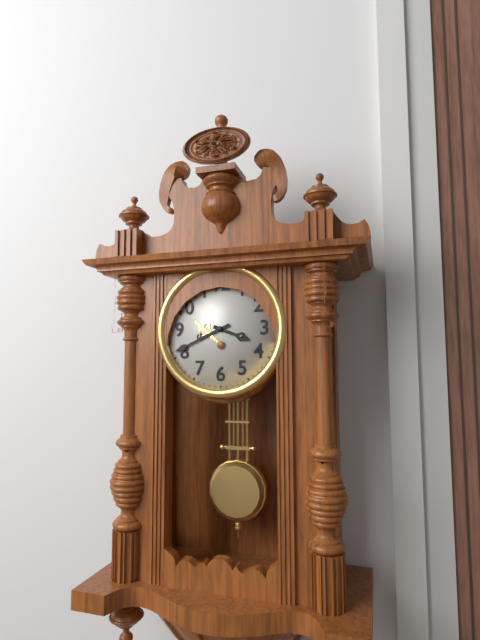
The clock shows h=3 m=41
